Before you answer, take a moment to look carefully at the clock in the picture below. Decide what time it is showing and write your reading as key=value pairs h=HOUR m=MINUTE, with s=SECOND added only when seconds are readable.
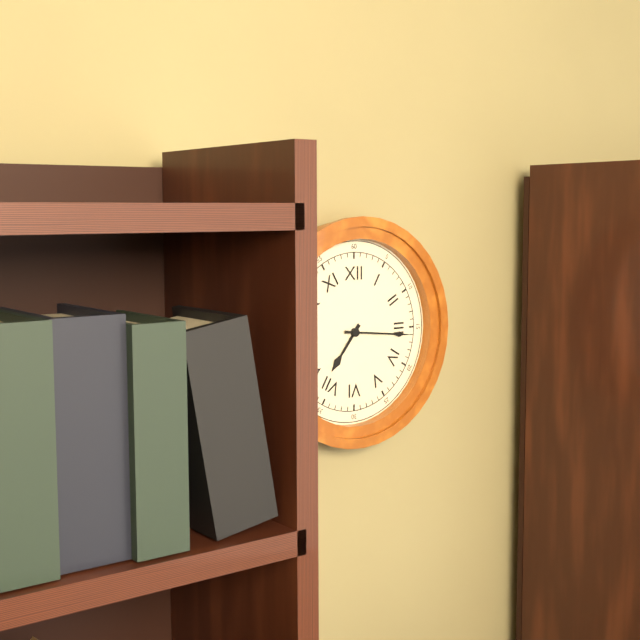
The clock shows h=7 m=16
